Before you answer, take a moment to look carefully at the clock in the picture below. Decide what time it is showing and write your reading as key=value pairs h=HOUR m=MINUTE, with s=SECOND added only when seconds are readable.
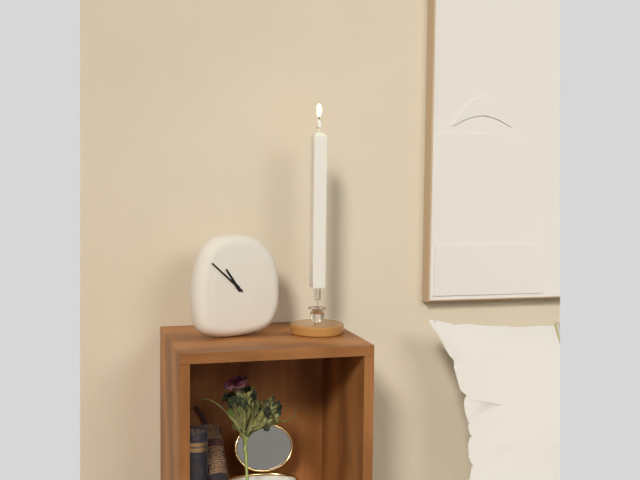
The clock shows h=10 m=52
